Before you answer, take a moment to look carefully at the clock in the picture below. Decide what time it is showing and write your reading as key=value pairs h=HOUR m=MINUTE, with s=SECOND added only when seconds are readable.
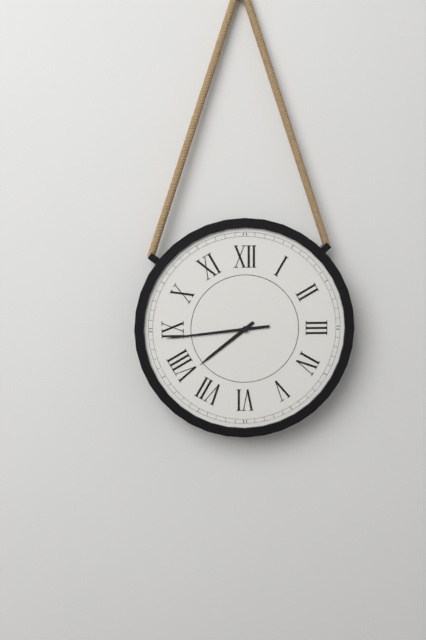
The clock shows h=7 m=44
